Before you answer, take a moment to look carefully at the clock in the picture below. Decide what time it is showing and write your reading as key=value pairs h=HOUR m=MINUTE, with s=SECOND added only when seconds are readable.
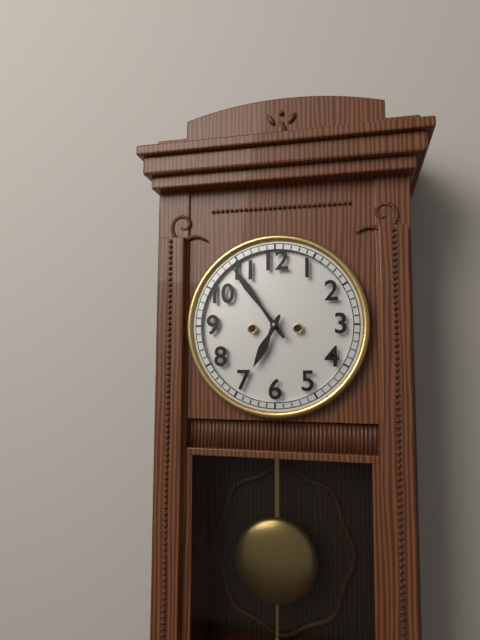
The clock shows h=6 m=54
